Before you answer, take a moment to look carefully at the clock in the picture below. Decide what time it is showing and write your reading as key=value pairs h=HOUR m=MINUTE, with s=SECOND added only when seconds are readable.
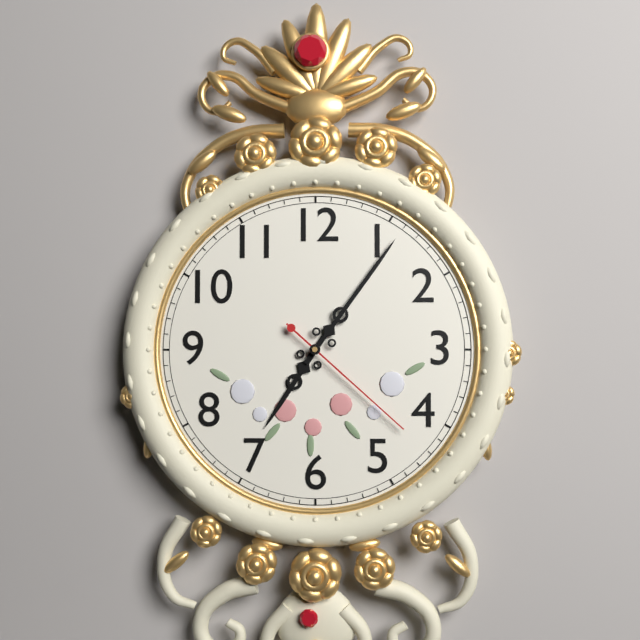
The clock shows h=7 m=6 s=22
